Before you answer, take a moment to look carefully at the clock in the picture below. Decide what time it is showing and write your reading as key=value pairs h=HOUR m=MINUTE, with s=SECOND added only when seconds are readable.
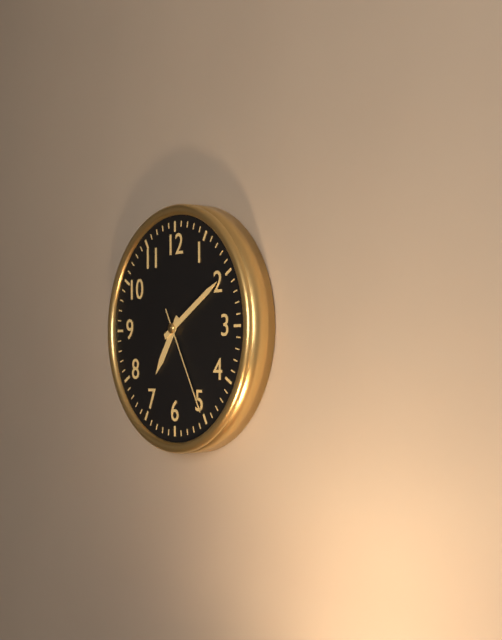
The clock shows h=7 m=10 s=25
